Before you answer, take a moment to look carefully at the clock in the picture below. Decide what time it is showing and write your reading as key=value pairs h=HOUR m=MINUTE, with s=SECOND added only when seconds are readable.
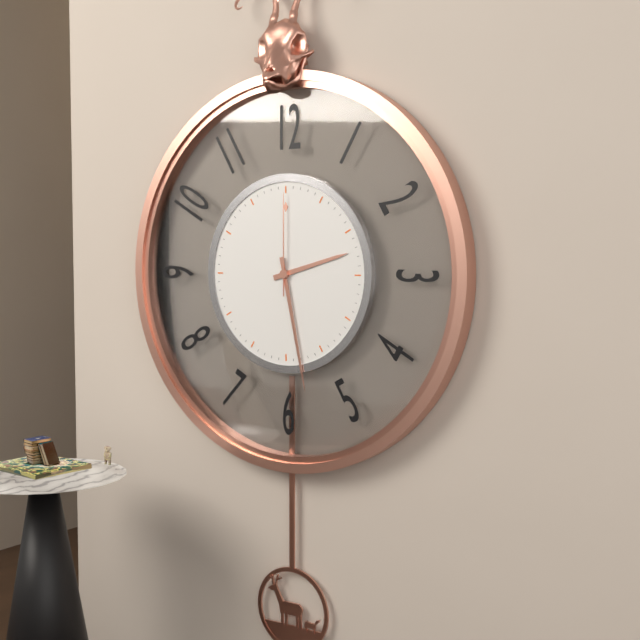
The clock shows h=2 m=28 s=0
